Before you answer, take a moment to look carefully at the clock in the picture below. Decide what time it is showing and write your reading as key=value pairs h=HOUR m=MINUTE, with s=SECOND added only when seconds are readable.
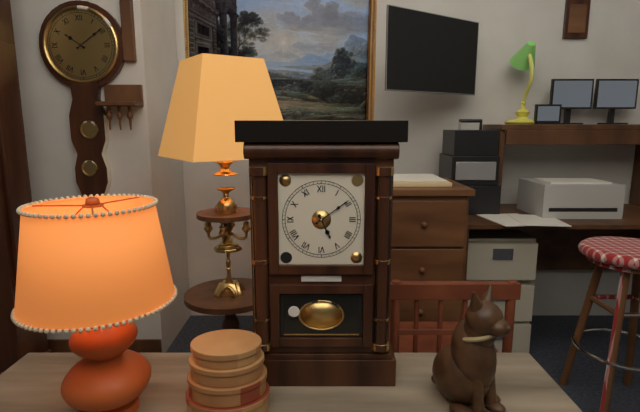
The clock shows h=5 m=9
